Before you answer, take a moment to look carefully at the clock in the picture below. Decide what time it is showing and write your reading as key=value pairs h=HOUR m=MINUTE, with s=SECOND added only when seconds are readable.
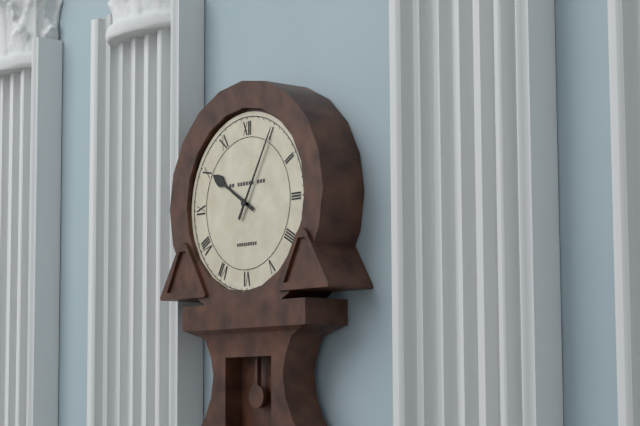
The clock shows h=10 m=5
